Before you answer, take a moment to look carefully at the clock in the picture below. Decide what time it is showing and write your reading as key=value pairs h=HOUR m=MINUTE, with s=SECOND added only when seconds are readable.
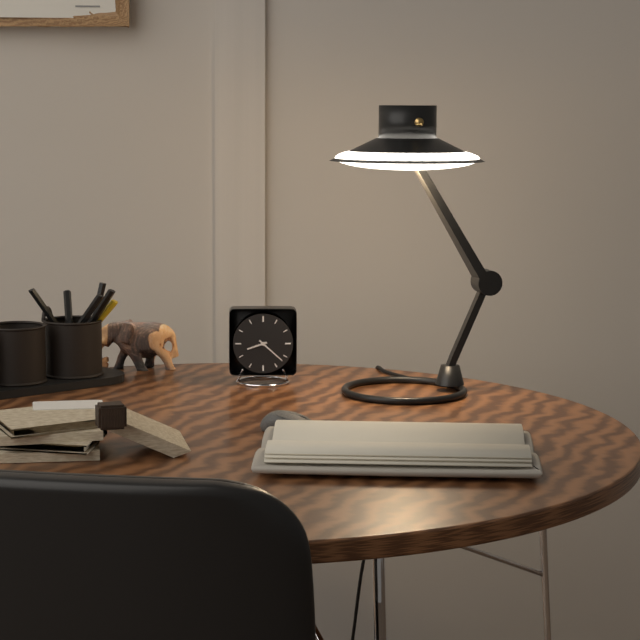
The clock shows h=8 m=22
